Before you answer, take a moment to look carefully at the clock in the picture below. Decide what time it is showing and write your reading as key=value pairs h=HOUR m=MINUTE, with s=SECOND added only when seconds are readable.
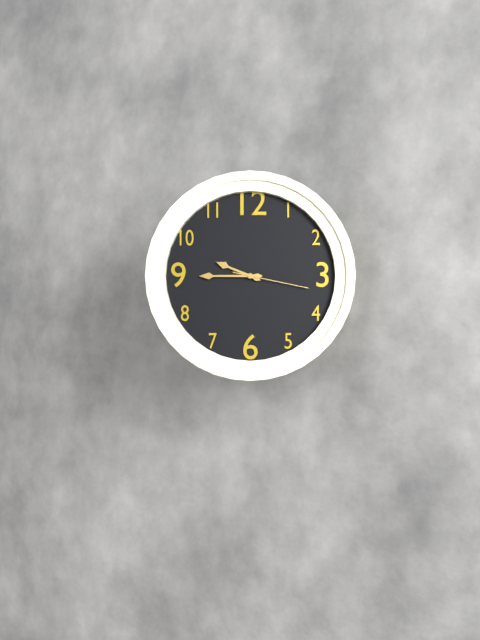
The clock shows h=9 m=45 s=17
